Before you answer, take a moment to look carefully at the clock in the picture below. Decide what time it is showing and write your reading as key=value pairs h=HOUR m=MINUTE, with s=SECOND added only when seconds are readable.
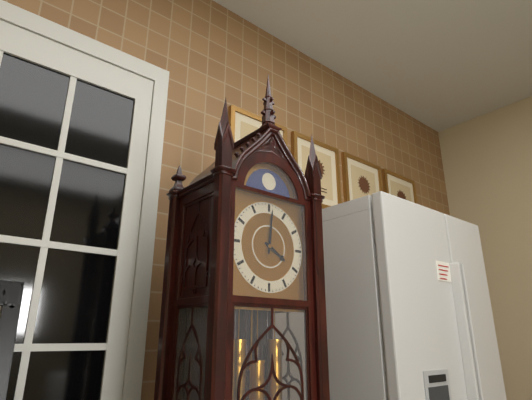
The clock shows h=4 m=1
